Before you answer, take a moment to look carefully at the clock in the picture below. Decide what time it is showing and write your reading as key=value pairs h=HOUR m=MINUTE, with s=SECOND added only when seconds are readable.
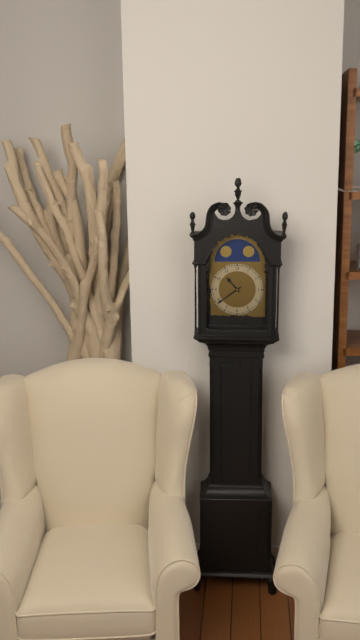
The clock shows h=10 m=39
